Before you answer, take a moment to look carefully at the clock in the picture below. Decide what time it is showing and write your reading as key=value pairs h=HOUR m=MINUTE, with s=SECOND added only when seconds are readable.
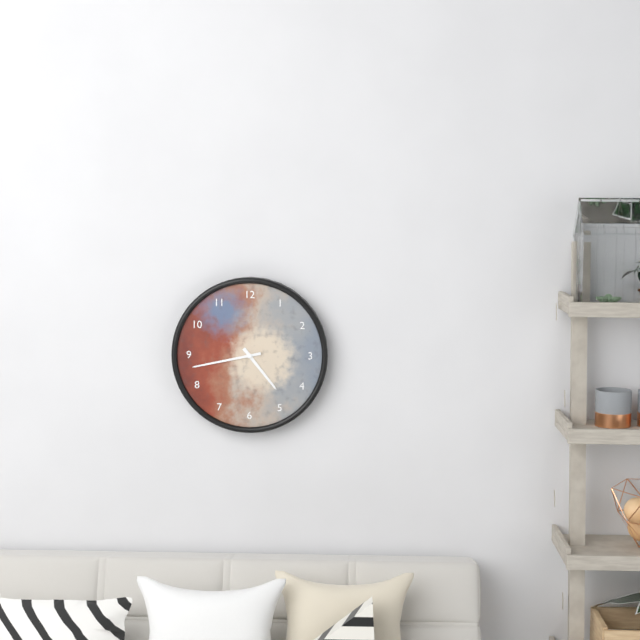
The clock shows h=4 m=43
